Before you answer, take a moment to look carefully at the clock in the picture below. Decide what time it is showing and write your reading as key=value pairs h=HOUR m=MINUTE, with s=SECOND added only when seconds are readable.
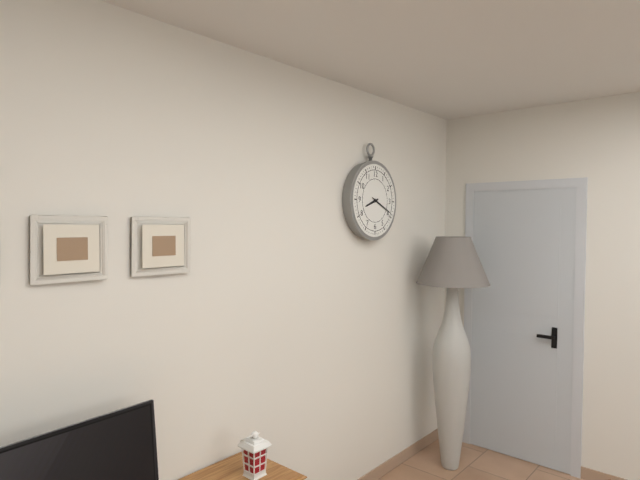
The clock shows h=8 m=19
